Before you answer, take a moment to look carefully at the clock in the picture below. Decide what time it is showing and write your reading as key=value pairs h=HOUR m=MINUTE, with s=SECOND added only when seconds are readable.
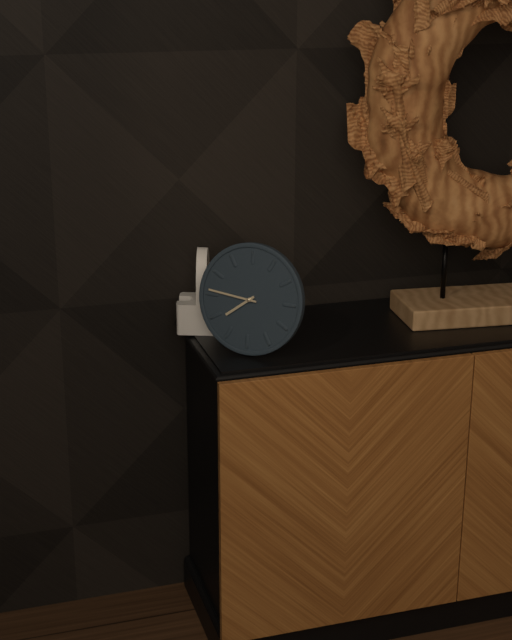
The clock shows h=7 m=46
